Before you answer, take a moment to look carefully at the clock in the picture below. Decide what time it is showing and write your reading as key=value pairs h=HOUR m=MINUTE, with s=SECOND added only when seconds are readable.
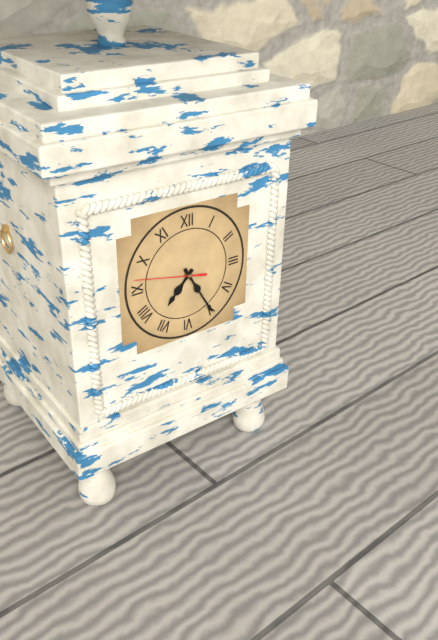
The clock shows h=7 m=25 s=47
